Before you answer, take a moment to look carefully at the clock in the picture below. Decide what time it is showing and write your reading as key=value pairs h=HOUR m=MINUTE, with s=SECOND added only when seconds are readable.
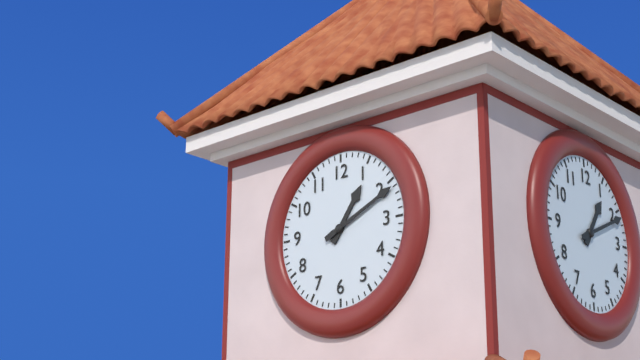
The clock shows h=1 m=11
